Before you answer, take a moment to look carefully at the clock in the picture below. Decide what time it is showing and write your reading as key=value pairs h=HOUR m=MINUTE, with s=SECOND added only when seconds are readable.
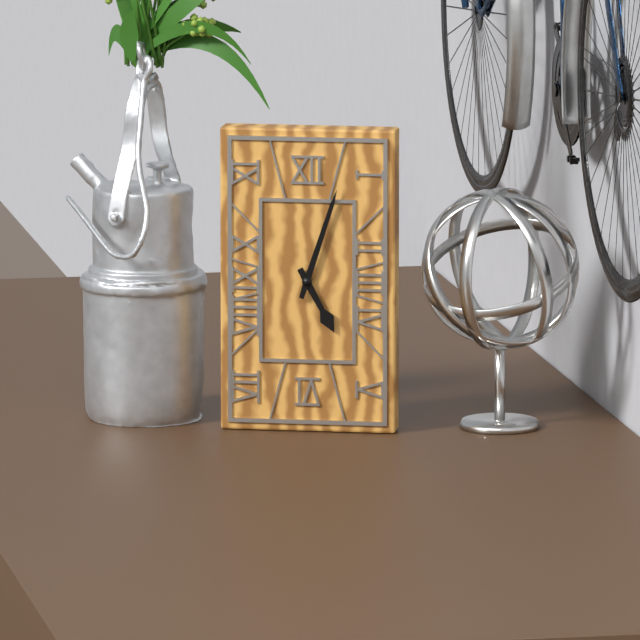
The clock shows h=5 m=3
